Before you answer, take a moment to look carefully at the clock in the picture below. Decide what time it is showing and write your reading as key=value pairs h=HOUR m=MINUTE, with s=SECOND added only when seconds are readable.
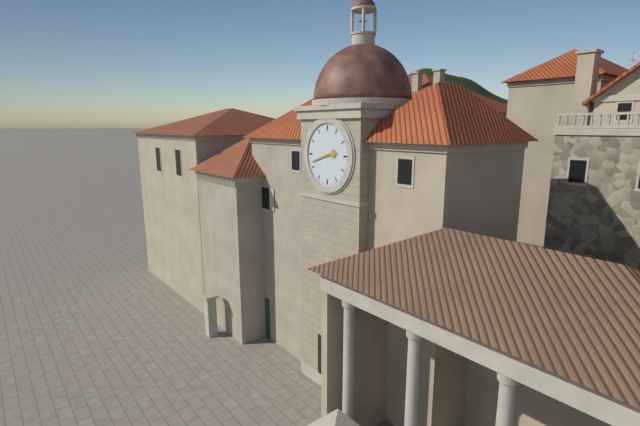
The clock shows h=2 m=42
